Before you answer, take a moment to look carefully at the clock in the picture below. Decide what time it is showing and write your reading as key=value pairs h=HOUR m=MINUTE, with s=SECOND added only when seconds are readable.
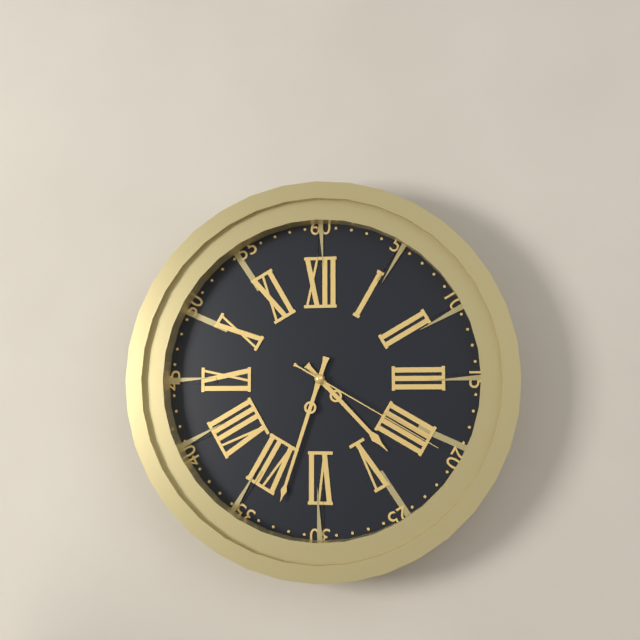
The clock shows h=4 m=33 s=20
